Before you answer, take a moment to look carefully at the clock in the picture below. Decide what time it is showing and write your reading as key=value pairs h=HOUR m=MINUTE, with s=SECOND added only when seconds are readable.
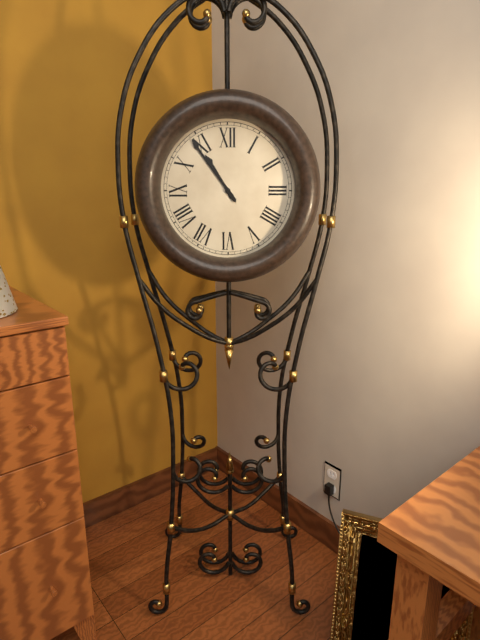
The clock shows h=10 m=54
